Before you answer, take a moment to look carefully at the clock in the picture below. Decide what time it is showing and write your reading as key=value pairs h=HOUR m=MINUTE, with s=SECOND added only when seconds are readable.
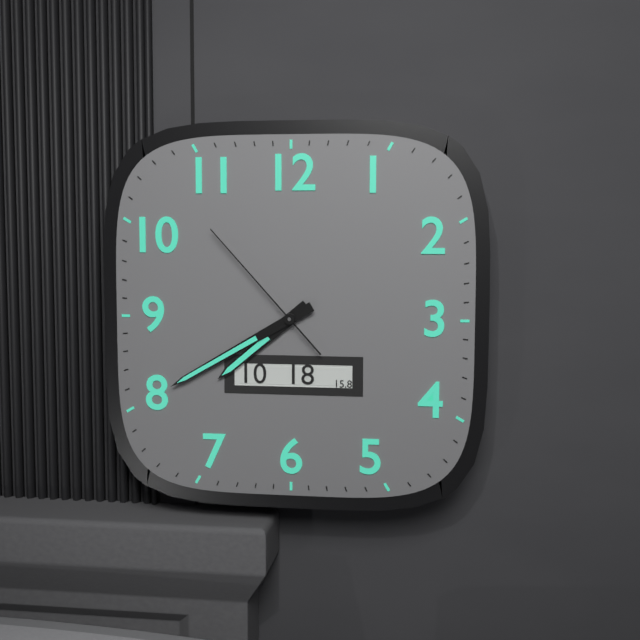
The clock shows h=7 m=40 s=53
